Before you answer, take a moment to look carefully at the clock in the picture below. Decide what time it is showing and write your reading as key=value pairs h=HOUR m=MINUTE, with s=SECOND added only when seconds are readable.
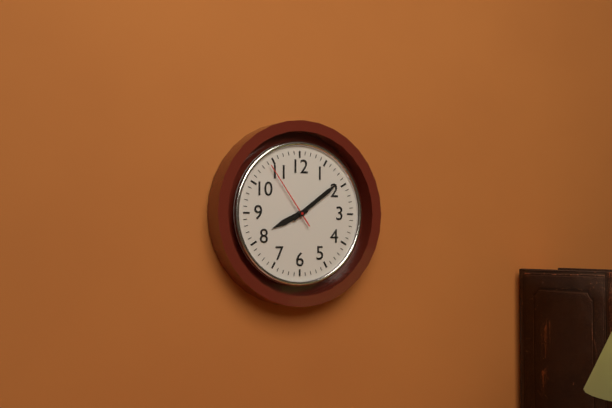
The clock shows h=8 m=9 s=54
